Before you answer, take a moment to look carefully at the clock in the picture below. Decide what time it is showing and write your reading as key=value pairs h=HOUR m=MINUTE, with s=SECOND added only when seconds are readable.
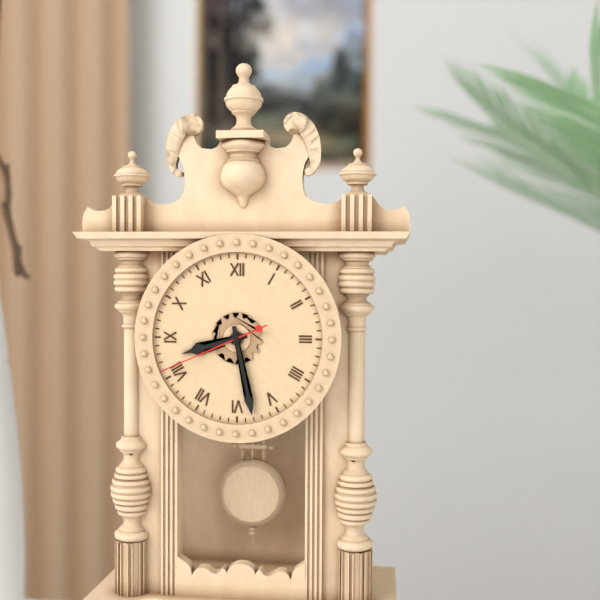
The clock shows h=8 m=28 s=41
